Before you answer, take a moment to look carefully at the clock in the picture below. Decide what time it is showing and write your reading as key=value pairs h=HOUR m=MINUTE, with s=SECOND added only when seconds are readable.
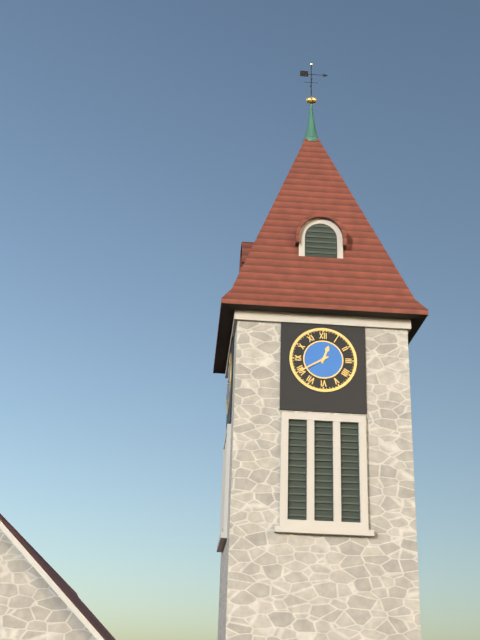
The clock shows h=12 m=40
